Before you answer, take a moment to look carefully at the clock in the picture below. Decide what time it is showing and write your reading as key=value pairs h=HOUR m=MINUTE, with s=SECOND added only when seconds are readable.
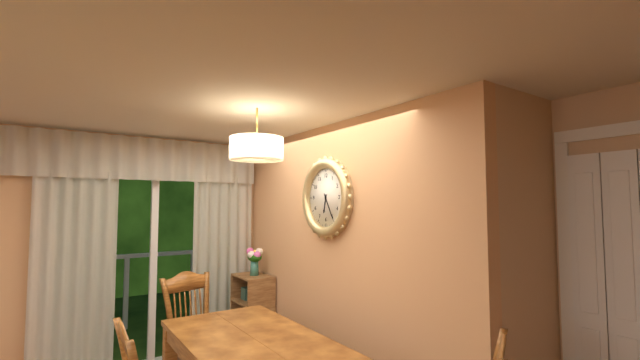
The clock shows h=6 m=25
